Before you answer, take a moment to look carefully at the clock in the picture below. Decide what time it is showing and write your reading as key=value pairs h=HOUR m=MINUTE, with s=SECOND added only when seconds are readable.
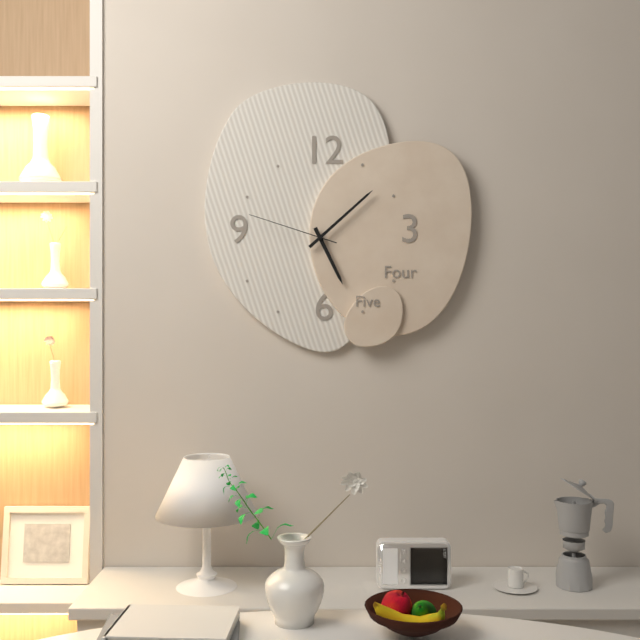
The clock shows h=5 m=8 s=48
